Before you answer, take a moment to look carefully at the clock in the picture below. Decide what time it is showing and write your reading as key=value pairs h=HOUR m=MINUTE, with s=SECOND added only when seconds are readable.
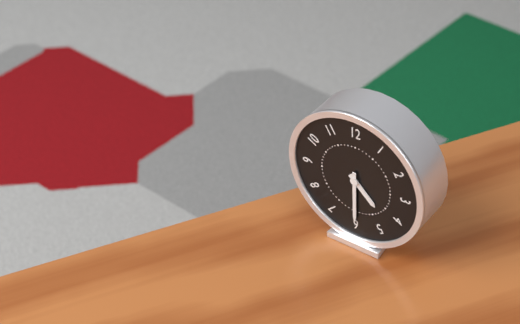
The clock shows h=4 m=30
